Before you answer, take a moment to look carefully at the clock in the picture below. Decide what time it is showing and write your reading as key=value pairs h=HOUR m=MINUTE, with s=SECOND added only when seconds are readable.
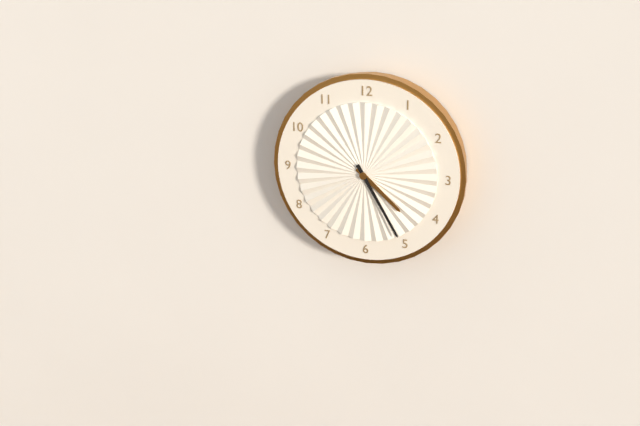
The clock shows h=4 m=25
